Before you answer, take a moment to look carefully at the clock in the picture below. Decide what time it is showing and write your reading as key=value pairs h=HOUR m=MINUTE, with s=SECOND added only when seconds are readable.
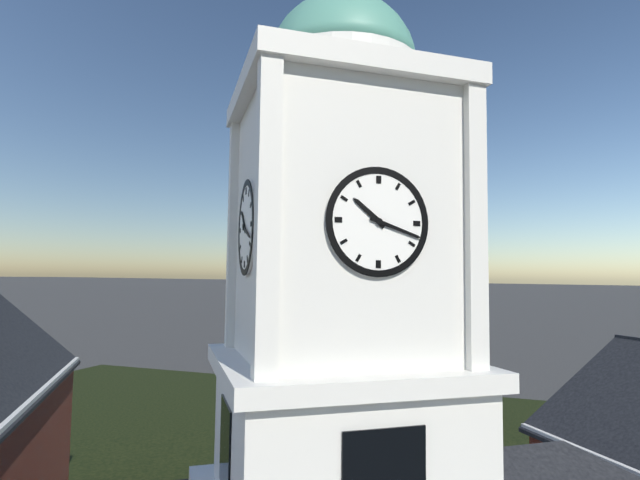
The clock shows h=10 m=18
